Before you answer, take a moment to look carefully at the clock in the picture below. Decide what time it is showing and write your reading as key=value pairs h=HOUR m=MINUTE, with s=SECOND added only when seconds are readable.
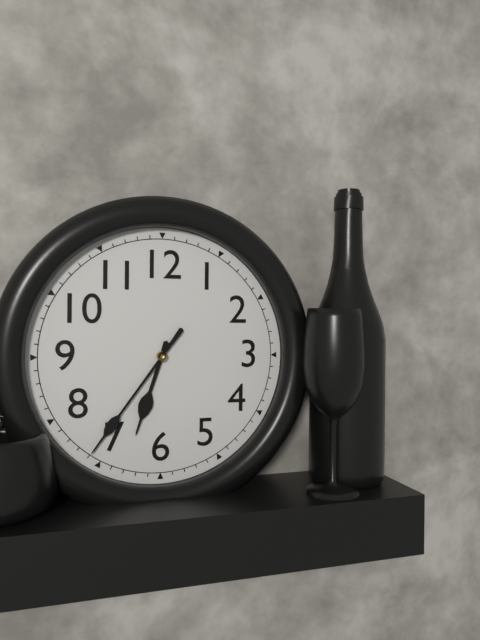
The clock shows h=6 m=36
